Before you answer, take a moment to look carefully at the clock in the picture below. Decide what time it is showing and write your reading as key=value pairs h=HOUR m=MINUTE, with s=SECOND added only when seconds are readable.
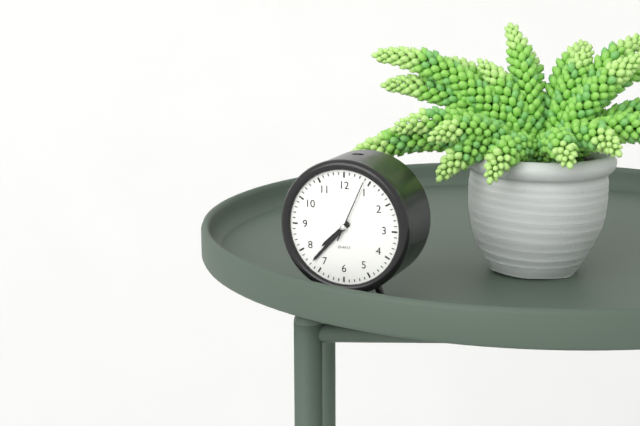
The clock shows h=7 m=37 s=4
